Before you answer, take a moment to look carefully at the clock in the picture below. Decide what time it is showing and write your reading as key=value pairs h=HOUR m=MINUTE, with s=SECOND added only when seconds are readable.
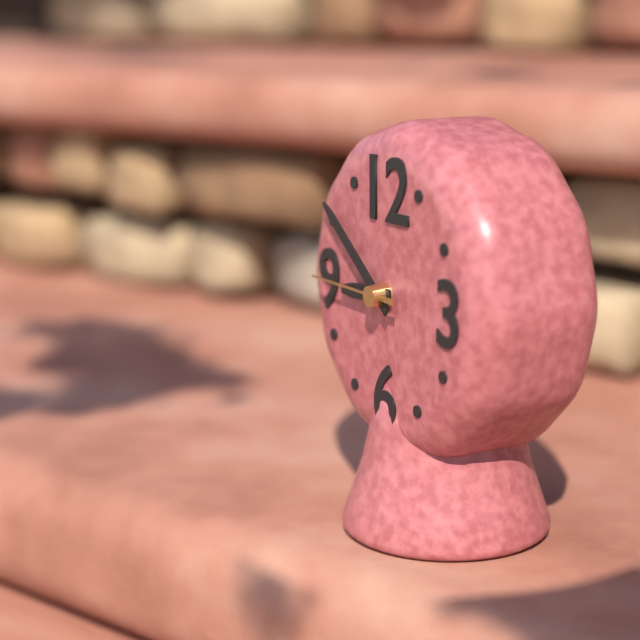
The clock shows h=8 m=51 s=45
